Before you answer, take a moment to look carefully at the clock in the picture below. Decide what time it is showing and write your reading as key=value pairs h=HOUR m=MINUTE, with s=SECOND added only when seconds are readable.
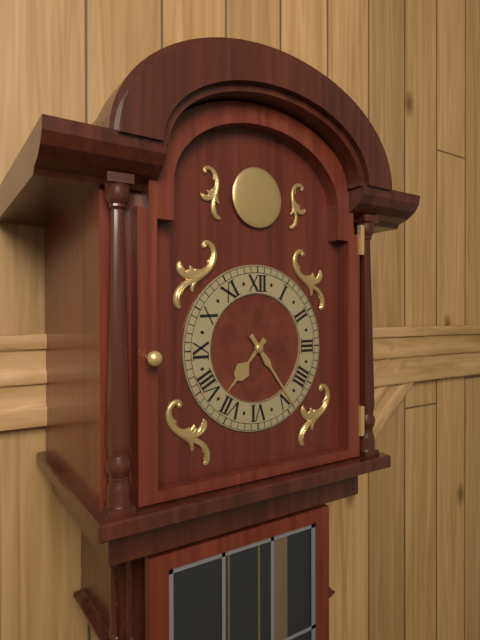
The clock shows h=7 m=24
